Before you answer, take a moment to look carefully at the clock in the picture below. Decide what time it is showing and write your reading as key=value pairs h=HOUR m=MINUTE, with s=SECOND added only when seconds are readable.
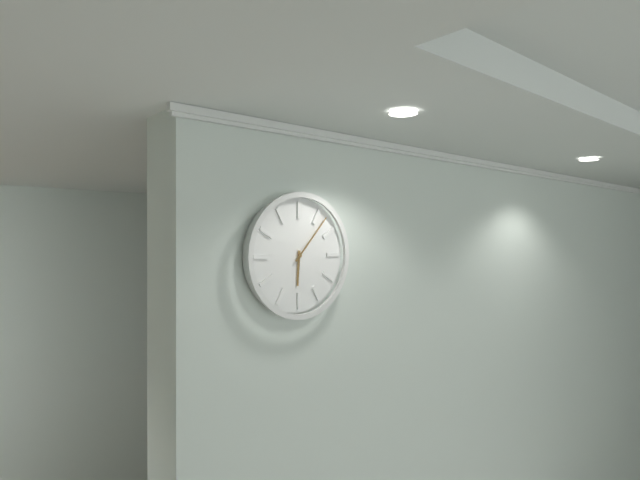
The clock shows h=6 m=7
